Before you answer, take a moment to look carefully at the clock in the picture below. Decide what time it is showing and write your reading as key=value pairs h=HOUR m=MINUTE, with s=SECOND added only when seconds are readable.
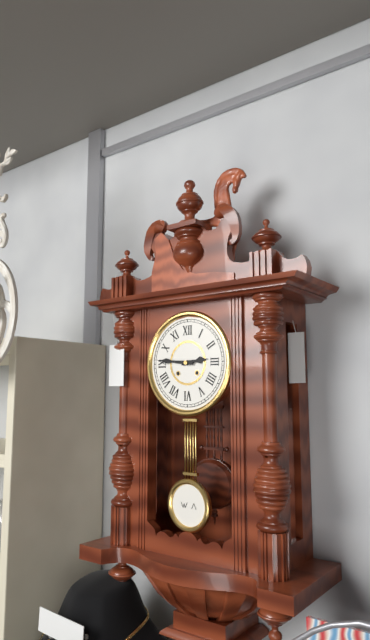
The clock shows h=2 m=46
